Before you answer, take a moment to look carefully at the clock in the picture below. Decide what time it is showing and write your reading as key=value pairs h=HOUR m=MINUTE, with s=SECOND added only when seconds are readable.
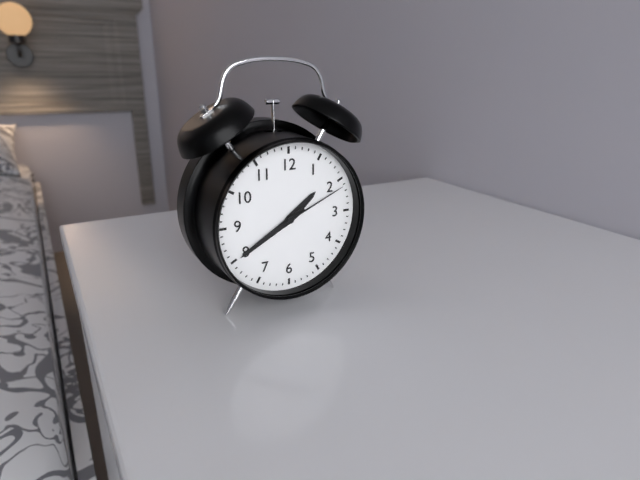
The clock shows h=1 m=40 s=11
